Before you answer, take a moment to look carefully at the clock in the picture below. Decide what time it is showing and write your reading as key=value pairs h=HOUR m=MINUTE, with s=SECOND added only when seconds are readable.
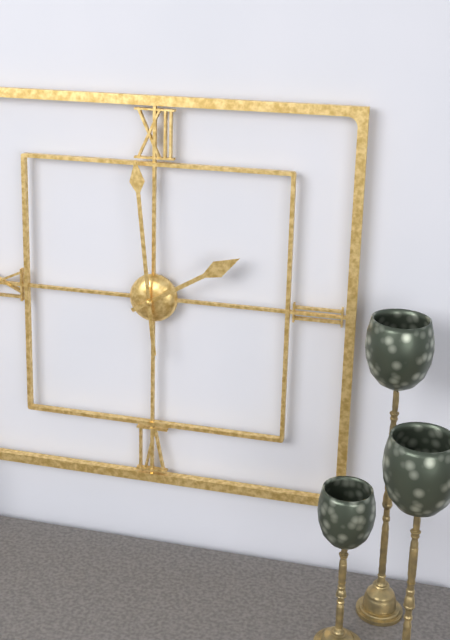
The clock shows h=1 m=59
